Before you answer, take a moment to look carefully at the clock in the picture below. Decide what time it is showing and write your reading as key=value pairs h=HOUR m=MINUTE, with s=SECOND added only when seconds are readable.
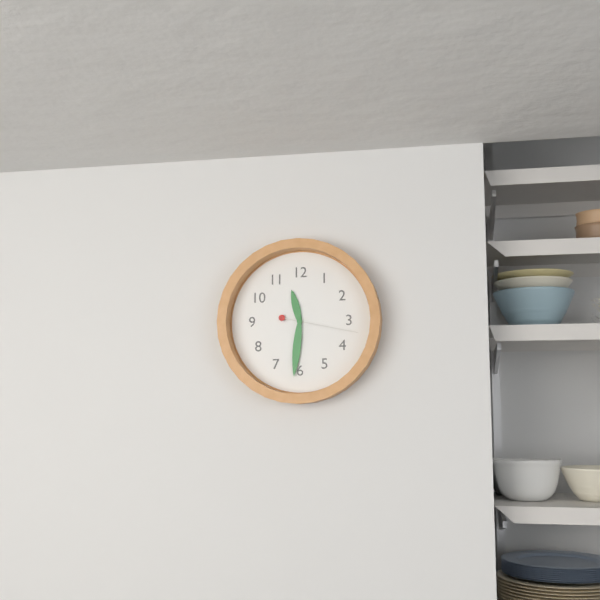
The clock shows h=11 m=31 s=17
